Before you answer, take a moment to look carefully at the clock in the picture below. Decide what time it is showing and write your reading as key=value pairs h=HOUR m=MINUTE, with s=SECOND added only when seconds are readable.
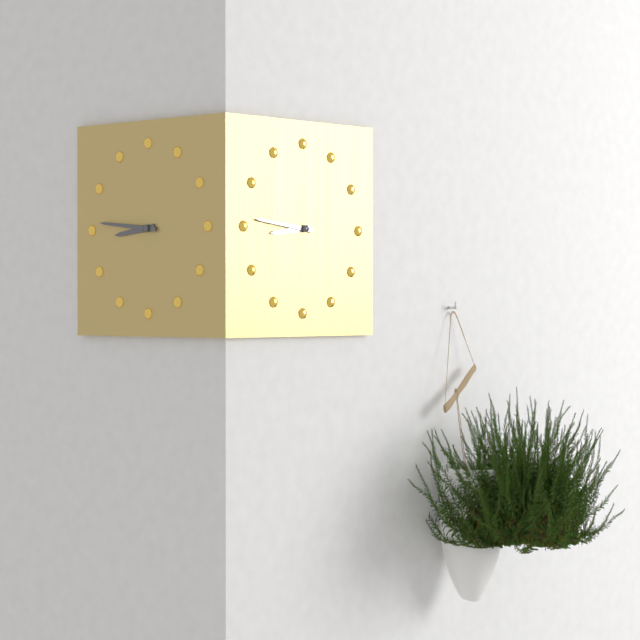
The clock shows h=8 m=46
